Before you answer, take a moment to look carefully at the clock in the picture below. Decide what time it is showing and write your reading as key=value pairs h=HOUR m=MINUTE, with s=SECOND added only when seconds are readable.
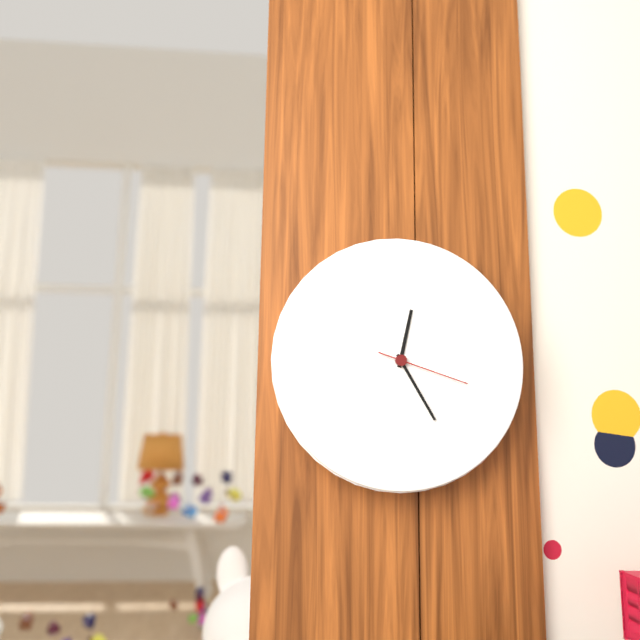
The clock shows h=12 m=25 s=18
